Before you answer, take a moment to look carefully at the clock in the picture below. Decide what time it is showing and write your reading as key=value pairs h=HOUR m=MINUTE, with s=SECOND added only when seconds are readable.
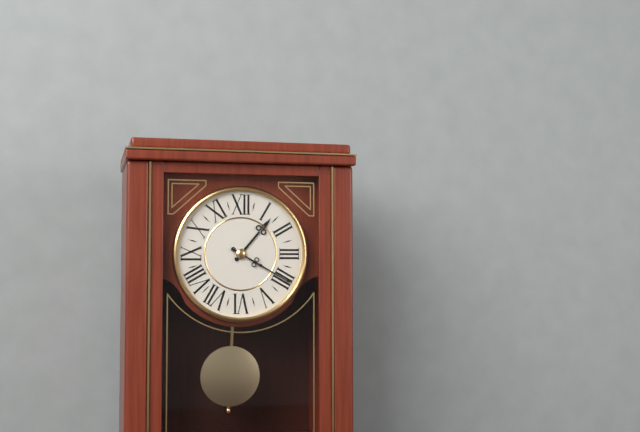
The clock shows h=1 m=20
